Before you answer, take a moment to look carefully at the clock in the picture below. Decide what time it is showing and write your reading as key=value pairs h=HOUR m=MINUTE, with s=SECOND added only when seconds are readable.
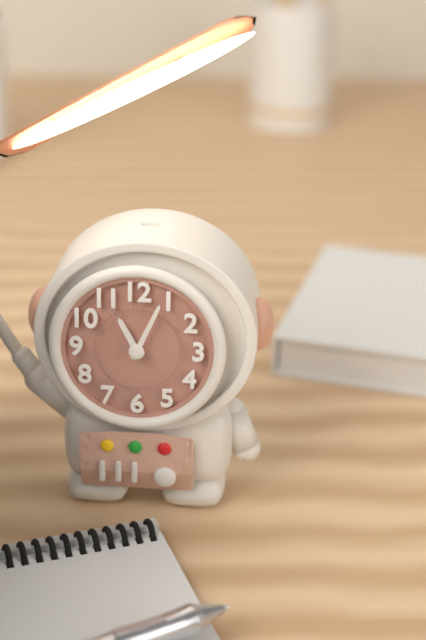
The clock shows h=11 m=4
